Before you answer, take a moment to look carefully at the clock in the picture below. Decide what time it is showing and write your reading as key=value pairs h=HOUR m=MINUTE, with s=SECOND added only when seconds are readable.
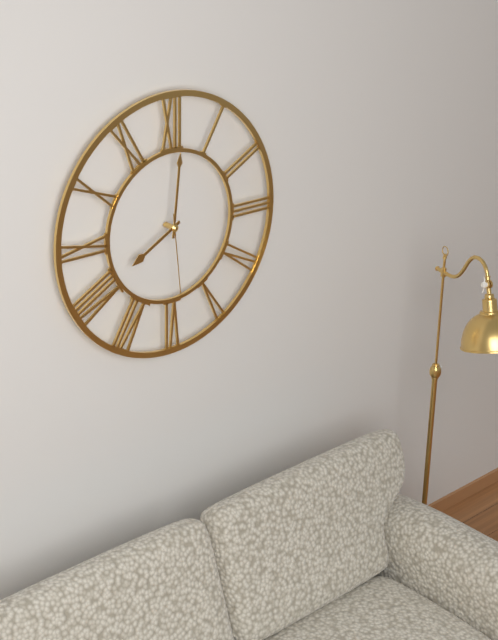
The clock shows h=8 m=1 s=29
